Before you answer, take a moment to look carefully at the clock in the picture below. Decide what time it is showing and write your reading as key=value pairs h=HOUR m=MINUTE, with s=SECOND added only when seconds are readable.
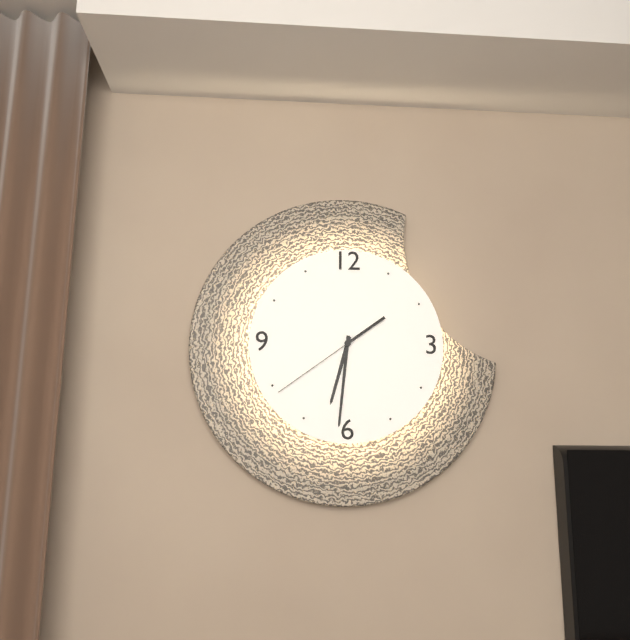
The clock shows h=6 m=31 s=39
